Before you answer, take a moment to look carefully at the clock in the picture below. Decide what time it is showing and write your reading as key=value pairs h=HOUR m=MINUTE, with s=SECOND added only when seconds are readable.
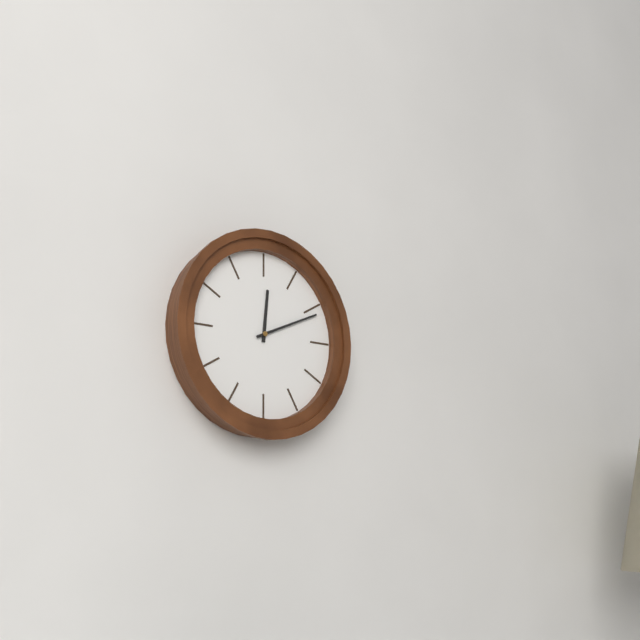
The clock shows h=12 m=11
